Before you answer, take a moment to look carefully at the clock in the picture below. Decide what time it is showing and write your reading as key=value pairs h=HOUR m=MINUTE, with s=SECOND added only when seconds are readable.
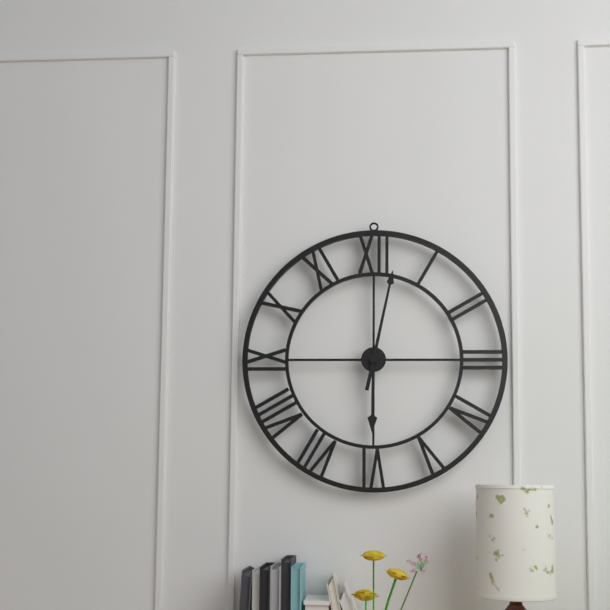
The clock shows h=6 m=2
